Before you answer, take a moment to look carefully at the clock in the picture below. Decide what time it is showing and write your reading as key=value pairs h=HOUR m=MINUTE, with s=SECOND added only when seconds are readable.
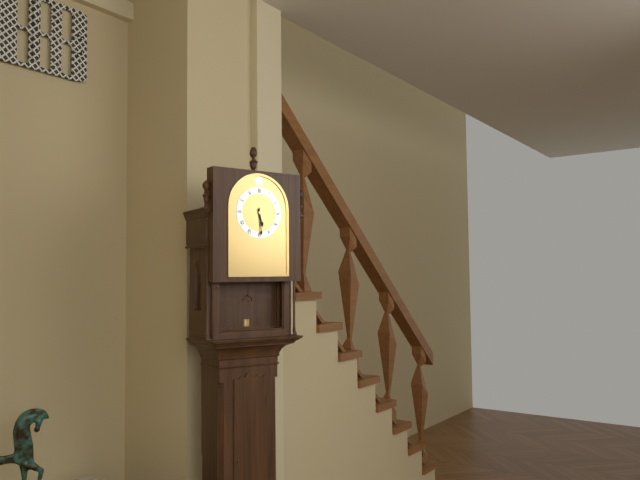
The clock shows h=5 m=29
